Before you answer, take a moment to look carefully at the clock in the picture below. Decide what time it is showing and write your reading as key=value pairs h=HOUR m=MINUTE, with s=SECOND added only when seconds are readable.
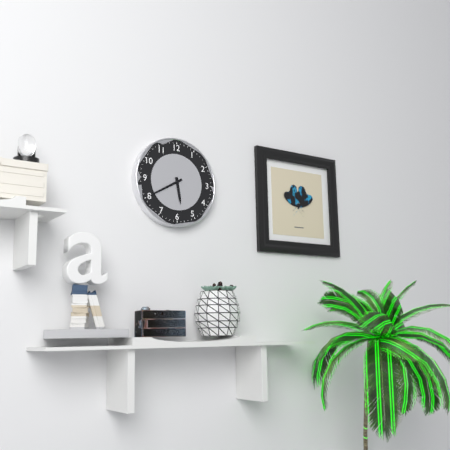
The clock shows h=5 m=40
